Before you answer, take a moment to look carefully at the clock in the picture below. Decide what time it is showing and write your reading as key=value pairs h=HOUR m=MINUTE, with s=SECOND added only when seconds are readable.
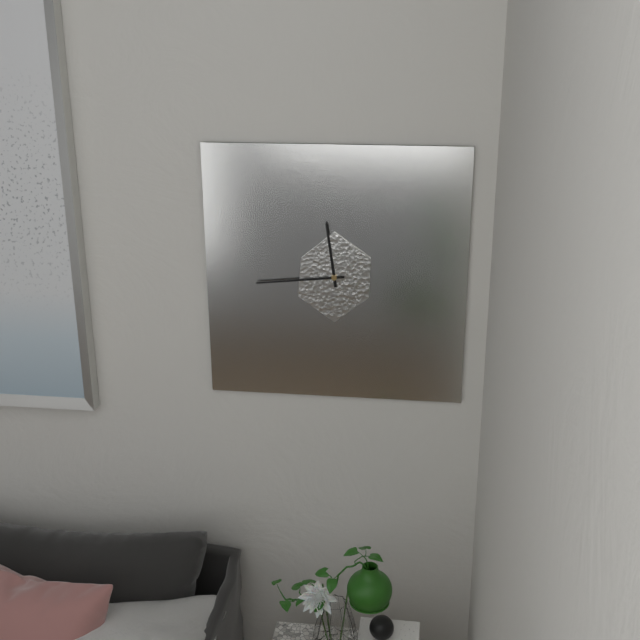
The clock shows h=11 m=44
